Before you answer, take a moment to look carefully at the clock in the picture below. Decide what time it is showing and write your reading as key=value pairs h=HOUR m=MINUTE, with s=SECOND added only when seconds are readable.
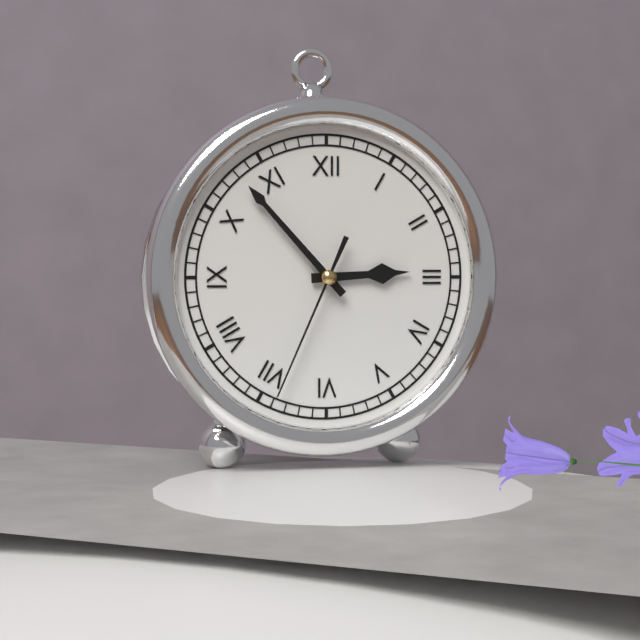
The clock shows h=2 m=53 s=34
